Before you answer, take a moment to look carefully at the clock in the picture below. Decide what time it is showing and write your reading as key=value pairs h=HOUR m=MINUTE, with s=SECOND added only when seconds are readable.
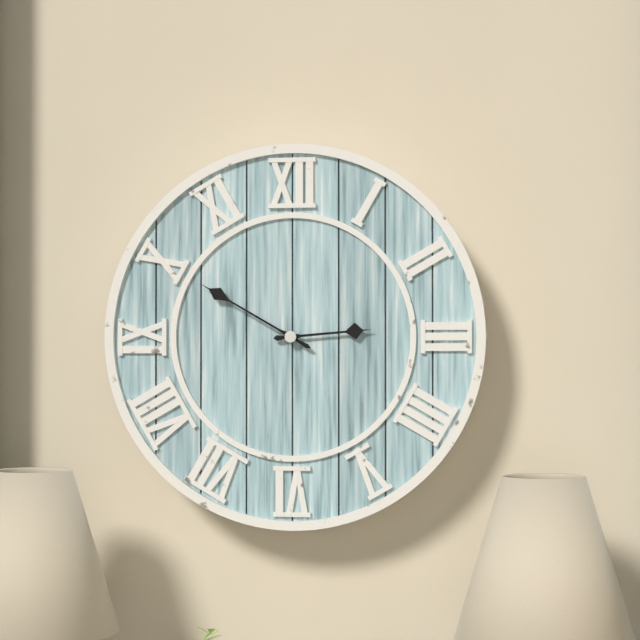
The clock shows h=2 m=50
